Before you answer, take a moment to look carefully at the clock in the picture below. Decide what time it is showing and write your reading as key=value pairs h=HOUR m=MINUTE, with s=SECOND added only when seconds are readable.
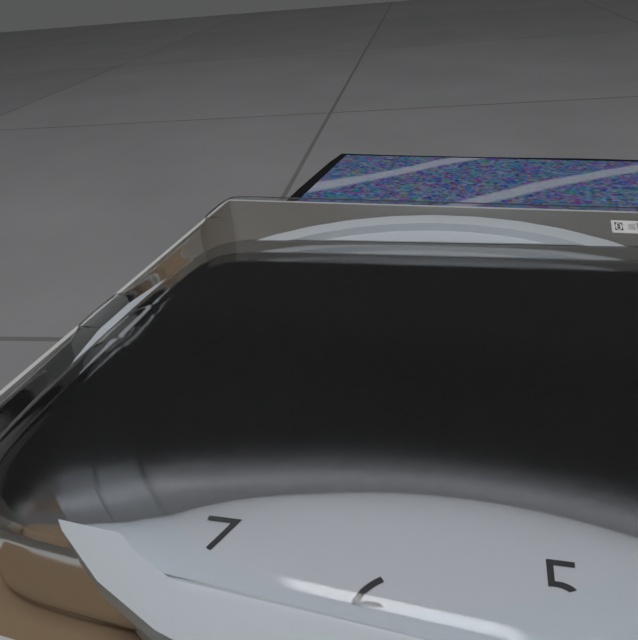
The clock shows h=2 m=44
